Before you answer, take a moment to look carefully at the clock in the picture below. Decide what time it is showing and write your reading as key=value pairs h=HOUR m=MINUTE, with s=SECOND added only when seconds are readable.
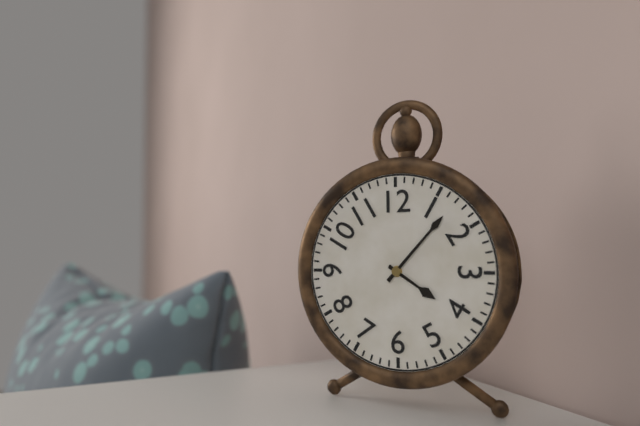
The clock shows h=4 m=7
